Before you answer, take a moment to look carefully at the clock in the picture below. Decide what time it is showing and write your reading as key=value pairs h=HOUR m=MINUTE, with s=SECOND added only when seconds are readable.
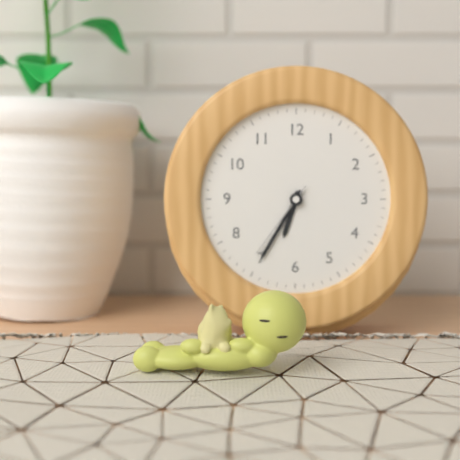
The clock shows h=6 m=35 s=36
